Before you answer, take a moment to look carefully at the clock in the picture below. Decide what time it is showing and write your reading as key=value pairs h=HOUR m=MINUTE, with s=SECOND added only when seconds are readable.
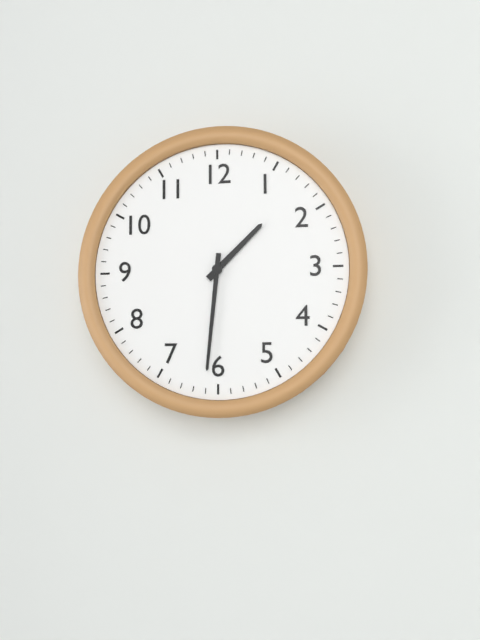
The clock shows h=1 m=31
